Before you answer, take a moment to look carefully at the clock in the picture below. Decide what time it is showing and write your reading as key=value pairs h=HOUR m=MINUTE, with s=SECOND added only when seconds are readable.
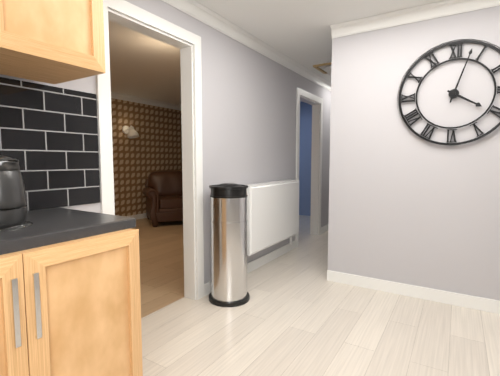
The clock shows h=4 m=3
